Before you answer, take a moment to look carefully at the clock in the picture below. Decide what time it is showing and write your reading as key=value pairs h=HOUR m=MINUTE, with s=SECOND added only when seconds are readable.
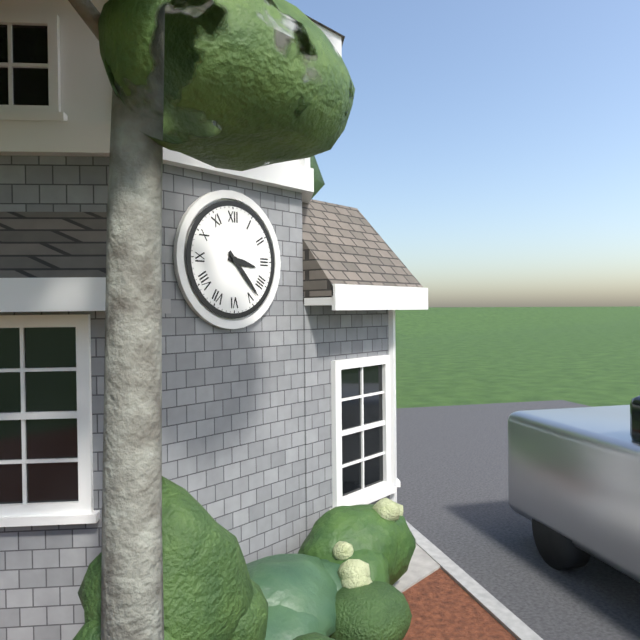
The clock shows h=3 m=23
